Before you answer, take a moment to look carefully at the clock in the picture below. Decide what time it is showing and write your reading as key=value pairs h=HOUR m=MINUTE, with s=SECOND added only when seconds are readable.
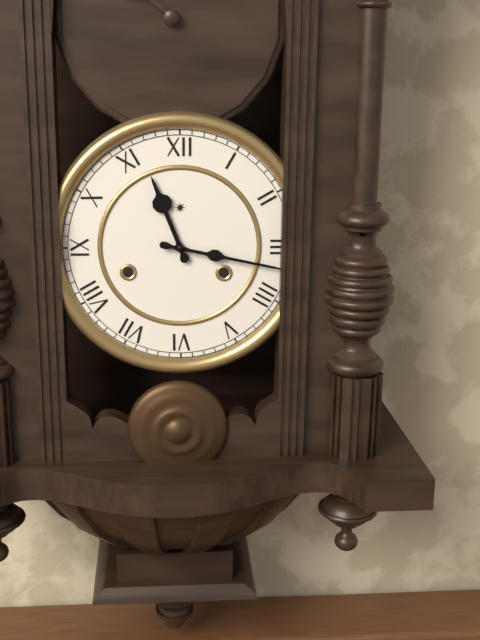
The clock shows h=11 m=17
